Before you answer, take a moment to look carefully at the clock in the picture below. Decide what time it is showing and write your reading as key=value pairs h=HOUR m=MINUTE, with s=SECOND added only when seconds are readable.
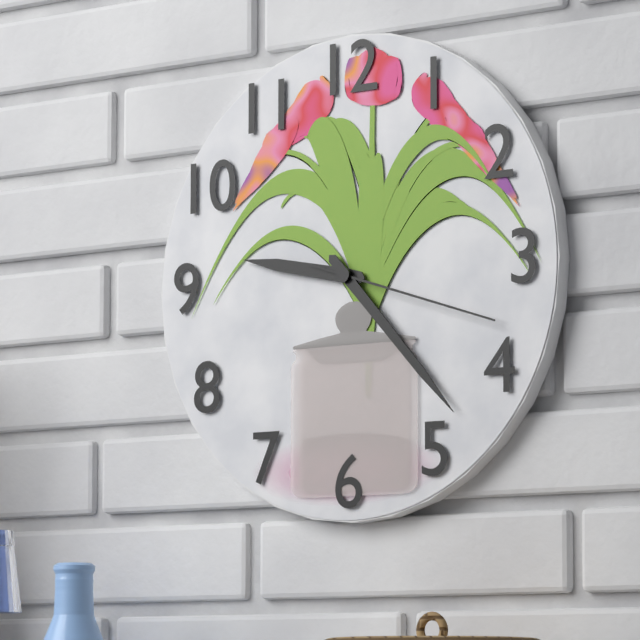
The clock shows h=9 m=23 s=18
